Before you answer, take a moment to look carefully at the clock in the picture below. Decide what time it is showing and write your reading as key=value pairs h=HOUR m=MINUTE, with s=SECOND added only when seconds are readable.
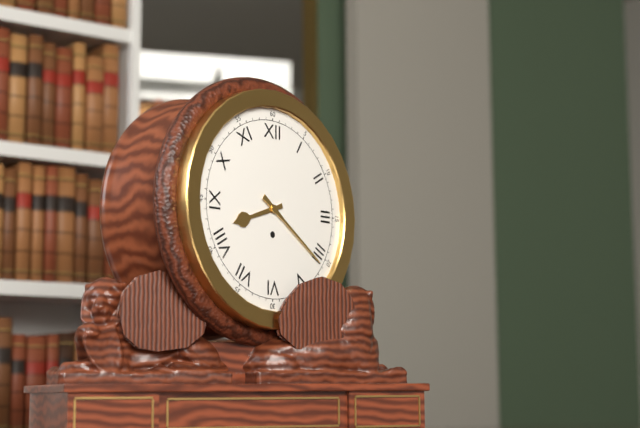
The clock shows h=8 m=21
